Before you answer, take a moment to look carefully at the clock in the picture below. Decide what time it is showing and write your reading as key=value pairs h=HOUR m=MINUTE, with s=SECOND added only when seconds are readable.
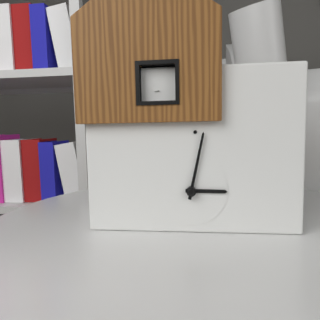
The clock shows h=3 m=2
